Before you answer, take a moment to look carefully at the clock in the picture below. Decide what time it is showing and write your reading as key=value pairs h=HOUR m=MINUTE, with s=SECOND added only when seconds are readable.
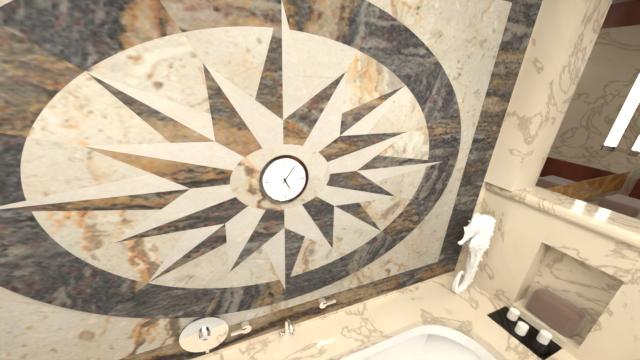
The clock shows h=5 m=6
